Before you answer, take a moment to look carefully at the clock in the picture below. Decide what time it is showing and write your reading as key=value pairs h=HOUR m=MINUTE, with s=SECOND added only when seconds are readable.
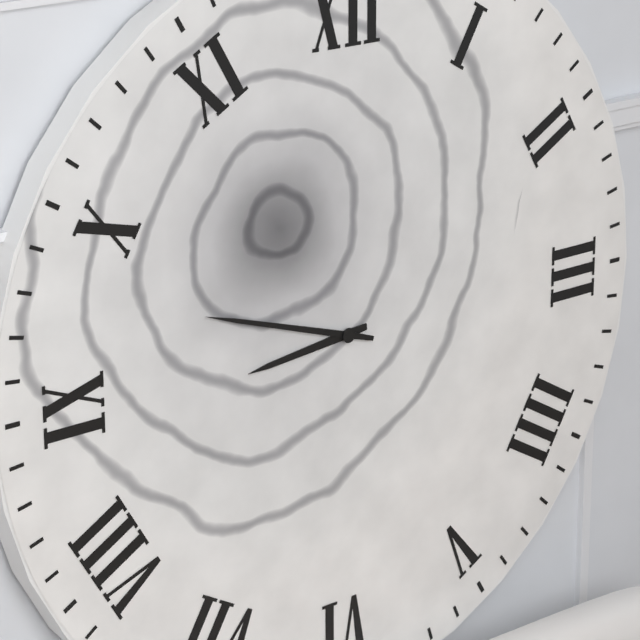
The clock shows h=8 m=48
